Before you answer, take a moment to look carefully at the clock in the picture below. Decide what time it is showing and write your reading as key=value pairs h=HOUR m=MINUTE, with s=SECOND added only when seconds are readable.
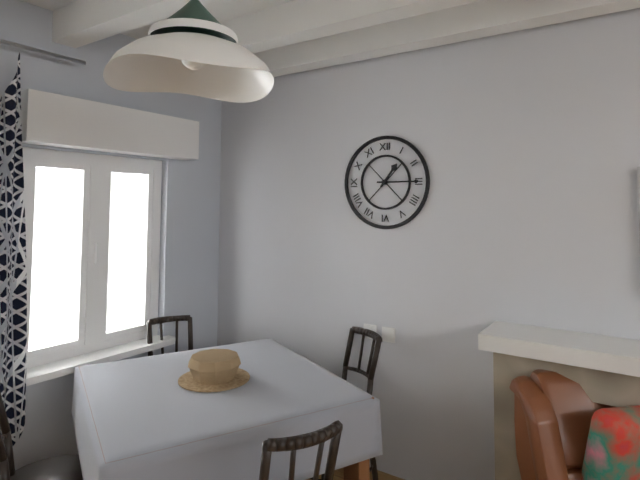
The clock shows h=1 m=15
